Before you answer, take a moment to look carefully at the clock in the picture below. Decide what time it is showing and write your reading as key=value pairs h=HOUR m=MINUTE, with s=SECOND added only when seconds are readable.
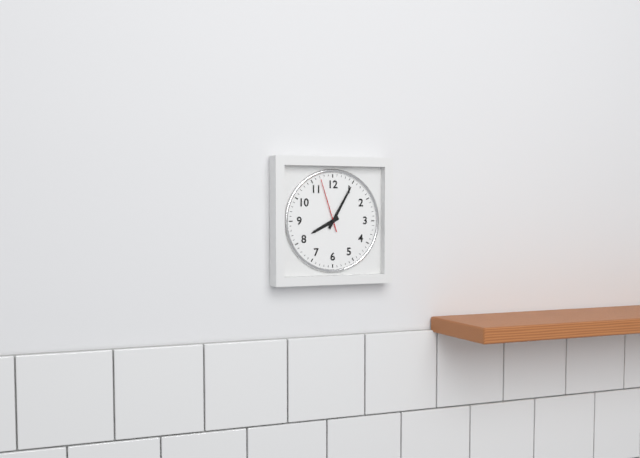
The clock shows h=8 m=5 s=57
